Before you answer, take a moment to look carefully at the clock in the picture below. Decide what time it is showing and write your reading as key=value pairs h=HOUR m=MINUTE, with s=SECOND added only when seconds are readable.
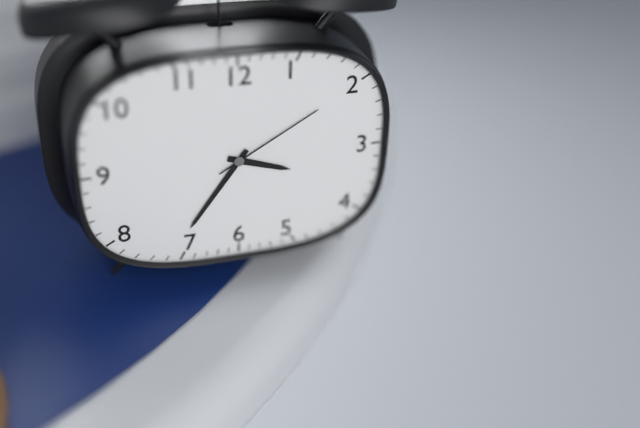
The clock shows h=3 m=36 s=10
